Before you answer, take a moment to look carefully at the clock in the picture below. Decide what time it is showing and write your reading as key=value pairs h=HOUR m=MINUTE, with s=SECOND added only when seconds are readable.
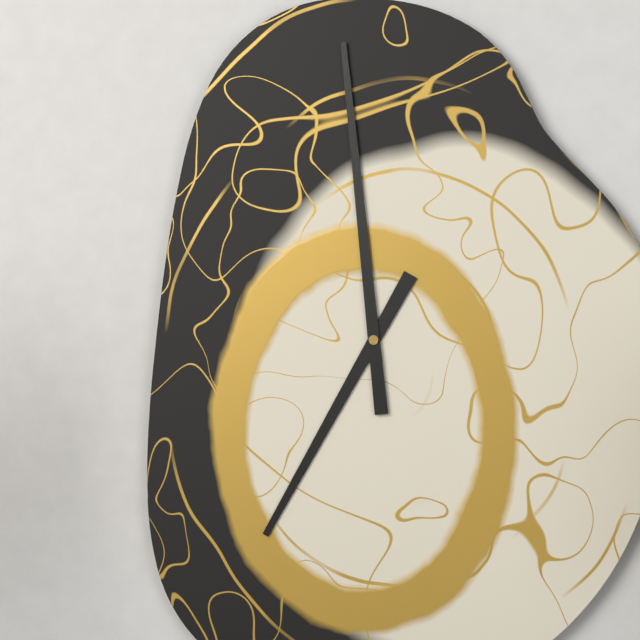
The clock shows h=6 m=59
